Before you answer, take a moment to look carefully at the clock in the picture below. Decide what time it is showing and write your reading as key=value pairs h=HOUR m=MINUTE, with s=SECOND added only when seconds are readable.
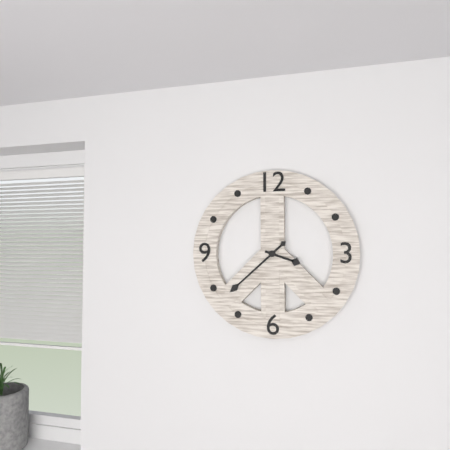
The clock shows h=3 m=38
